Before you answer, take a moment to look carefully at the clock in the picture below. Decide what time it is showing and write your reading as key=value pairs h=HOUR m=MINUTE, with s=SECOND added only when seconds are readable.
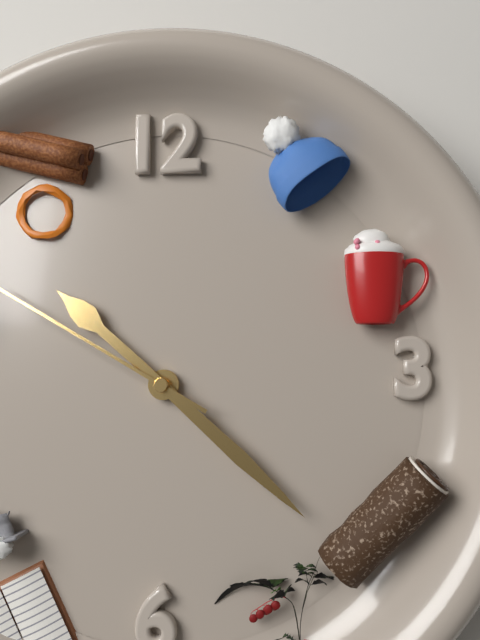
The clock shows h=10 m=22
